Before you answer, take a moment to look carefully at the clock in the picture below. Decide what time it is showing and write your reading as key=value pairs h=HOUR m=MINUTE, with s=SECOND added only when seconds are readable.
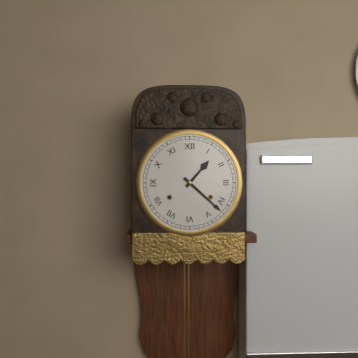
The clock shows h=1 m=22
